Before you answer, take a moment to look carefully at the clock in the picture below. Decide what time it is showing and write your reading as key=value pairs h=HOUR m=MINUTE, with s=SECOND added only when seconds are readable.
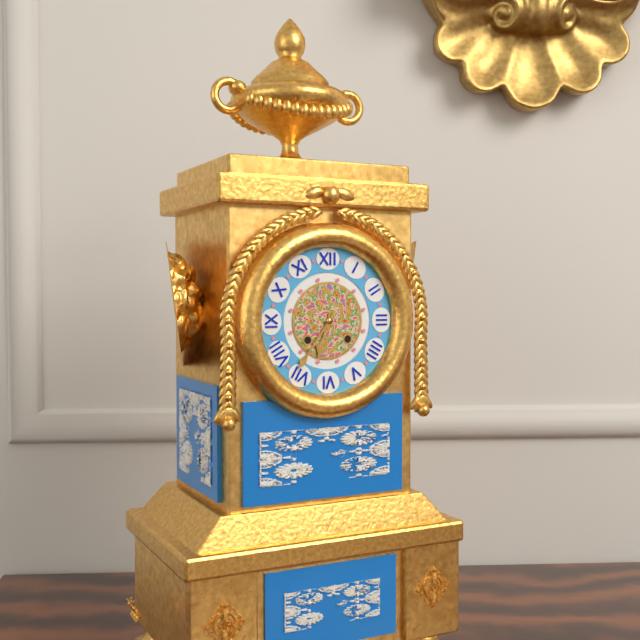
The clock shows h=6 m=36
